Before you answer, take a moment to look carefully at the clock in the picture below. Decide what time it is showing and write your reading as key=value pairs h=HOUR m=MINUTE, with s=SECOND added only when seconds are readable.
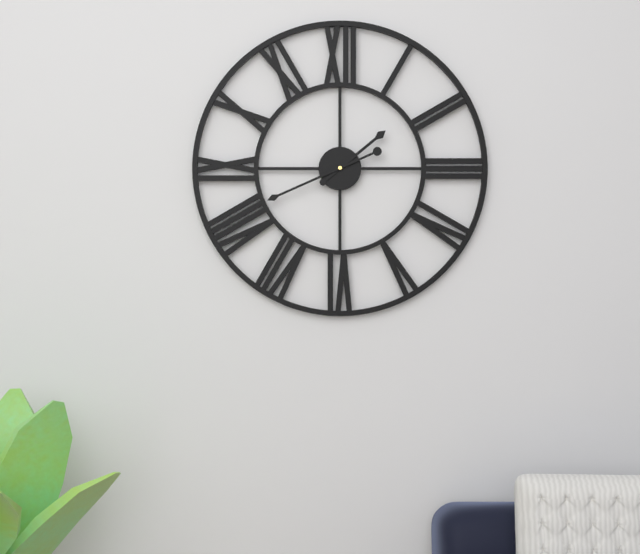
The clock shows h=1 m=41
